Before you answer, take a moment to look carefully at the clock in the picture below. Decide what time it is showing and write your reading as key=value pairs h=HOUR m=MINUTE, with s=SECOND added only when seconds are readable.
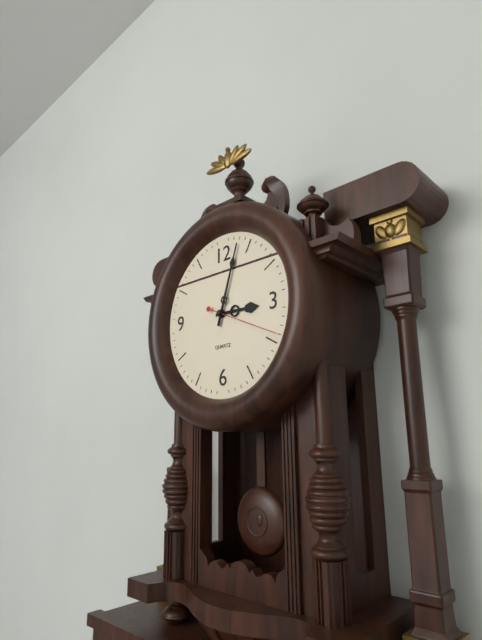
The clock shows h=3 m=3 s=19
